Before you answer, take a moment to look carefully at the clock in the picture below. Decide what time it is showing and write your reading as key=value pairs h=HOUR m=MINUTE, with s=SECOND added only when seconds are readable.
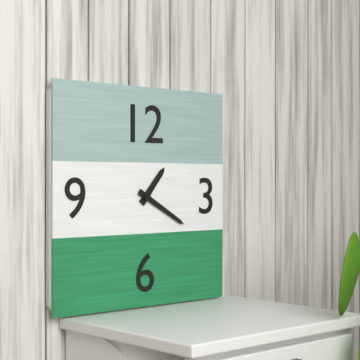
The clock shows h=1 m=20
